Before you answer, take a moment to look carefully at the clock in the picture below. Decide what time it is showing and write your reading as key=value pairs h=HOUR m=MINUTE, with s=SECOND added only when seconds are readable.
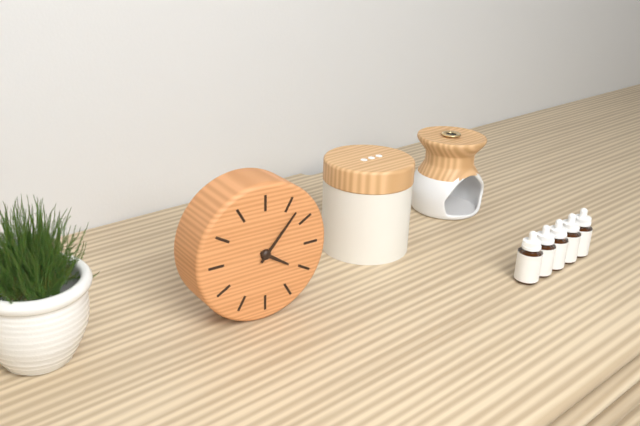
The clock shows h=4 m=7
